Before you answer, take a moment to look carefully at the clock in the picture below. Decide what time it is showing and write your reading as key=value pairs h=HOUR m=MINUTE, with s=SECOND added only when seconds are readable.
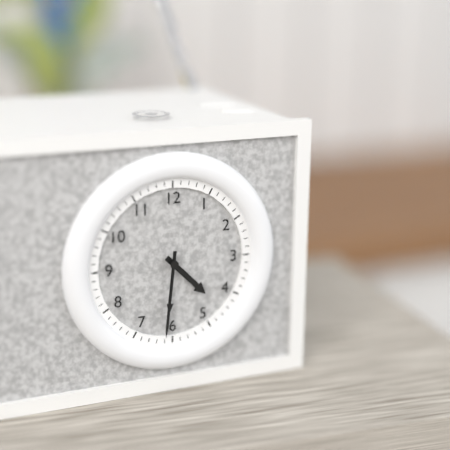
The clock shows h=4 m=31 s=31
